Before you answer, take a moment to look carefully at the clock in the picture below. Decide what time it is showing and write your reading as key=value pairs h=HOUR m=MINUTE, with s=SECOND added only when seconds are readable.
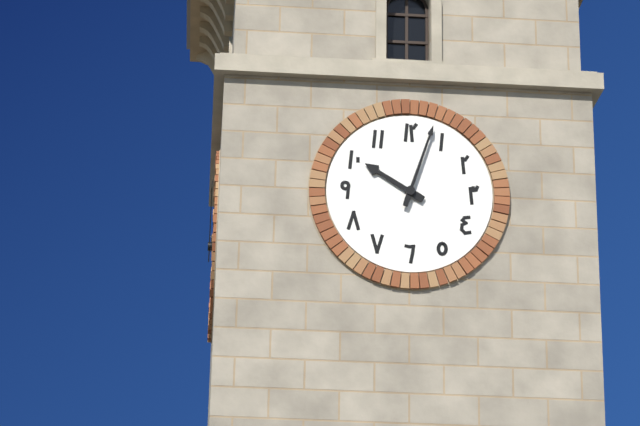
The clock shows h=10 m=3
